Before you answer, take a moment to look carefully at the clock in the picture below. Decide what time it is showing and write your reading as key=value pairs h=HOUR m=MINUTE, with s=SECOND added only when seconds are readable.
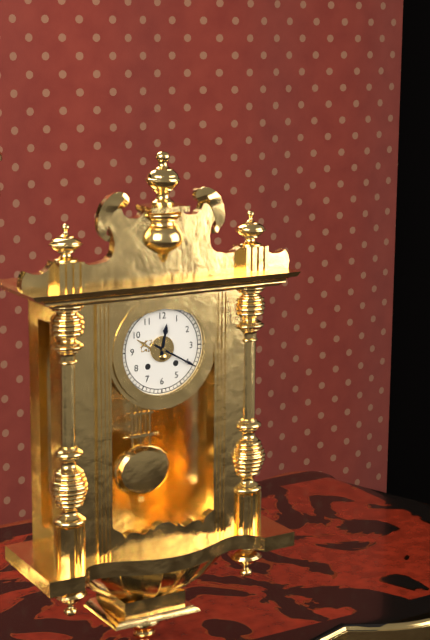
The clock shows h=12 m=20
